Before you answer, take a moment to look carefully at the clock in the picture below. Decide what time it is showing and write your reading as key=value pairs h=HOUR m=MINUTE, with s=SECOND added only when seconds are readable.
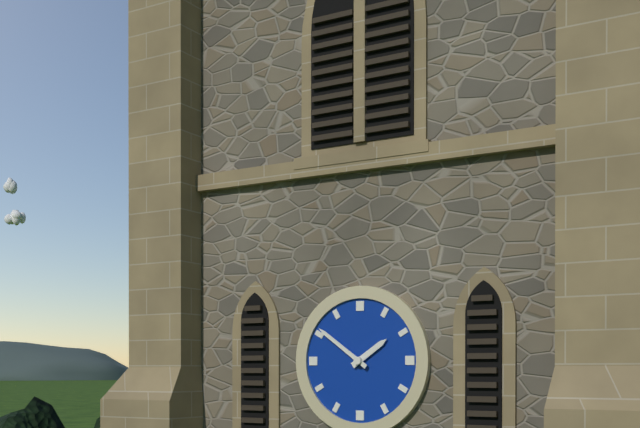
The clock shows h=1 m=51
